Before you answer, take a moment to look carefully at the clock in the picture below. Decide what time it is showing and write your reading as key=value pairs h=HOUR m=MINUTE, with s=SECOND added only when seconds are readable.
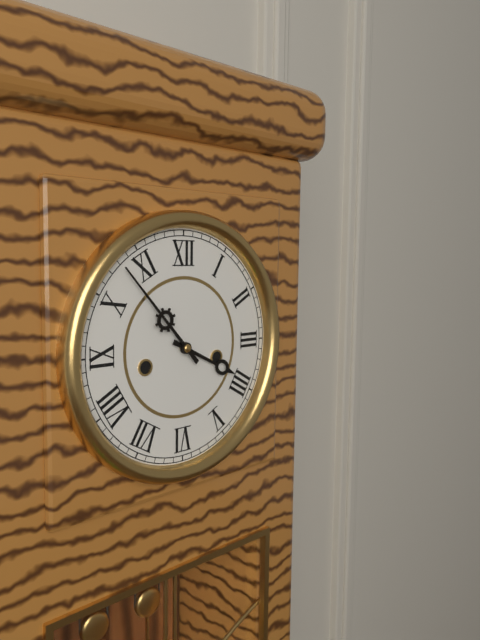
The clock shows h=3 m=53
